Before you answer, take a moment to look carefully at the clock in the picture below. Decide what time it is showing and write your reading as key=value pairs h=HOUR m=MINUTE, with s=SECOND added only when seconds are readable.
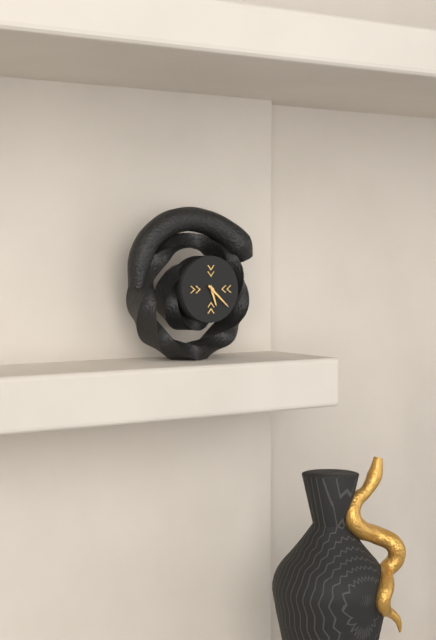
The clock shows h=5 m=22
